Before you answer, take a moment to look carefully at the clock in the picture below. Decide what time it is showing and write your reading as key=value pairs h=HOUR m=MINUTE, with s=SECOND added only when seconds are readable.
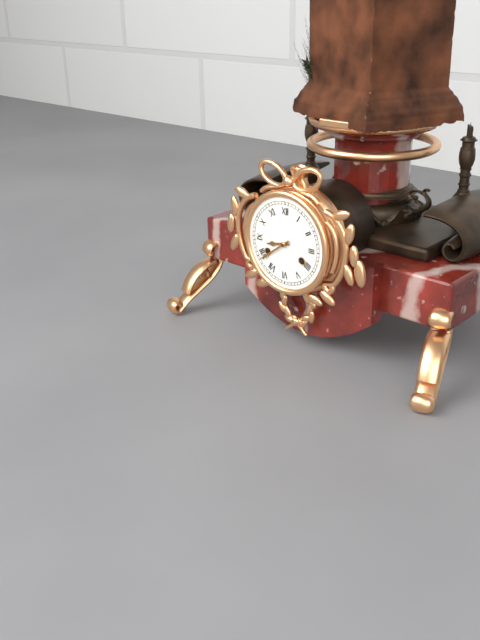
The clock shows h=8 m=39
